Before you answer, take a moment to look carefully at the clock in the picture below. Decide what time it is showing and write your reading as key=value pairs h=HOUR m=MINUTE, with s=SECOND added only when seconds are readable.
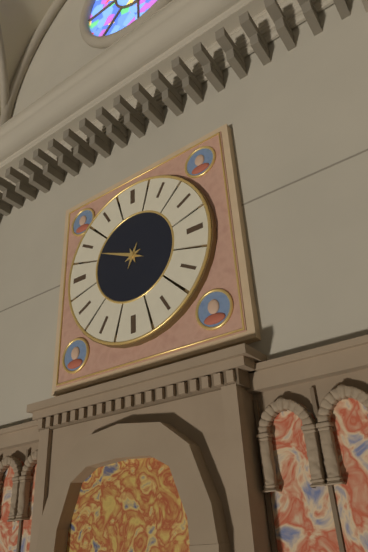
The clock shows h=9 m=49
